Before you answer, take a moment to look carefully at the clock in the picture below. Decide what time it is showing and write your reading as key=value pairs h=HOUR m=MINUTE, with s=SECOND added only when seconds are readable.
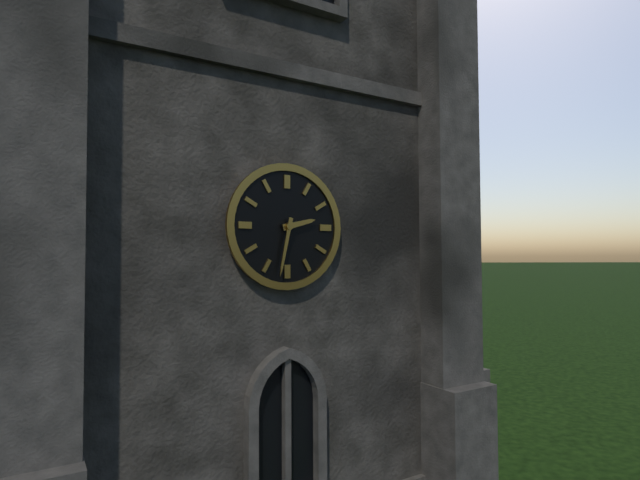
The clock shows h=2 m=32
